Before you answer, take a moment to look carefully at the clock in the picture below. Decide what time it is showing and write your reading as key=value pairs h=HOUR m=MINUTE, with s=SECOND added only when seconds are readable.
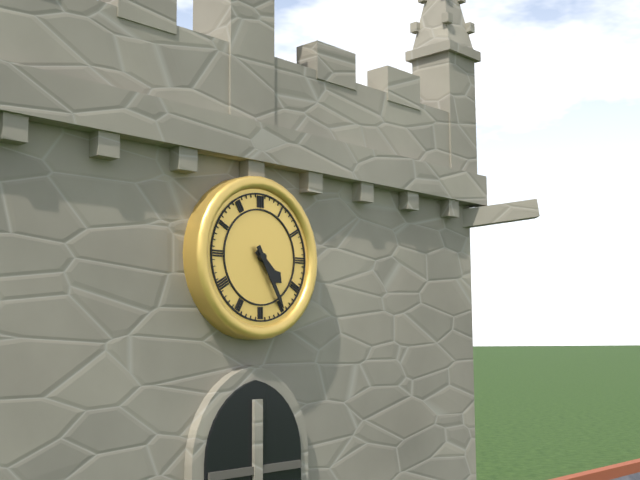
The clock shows h=4 m=25
